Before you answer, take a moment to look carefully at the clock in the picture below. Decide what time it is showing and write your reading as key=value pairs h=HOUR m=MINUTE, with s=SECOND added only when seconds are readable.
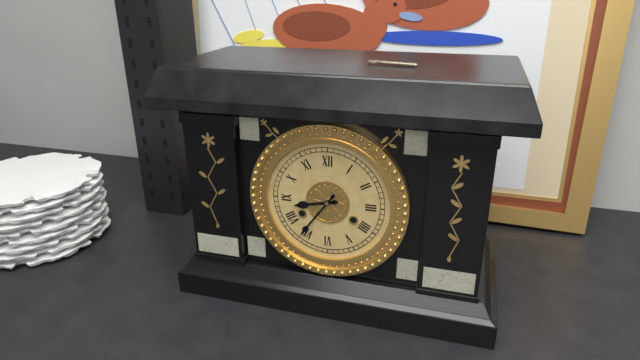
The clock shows h=8 m=36
